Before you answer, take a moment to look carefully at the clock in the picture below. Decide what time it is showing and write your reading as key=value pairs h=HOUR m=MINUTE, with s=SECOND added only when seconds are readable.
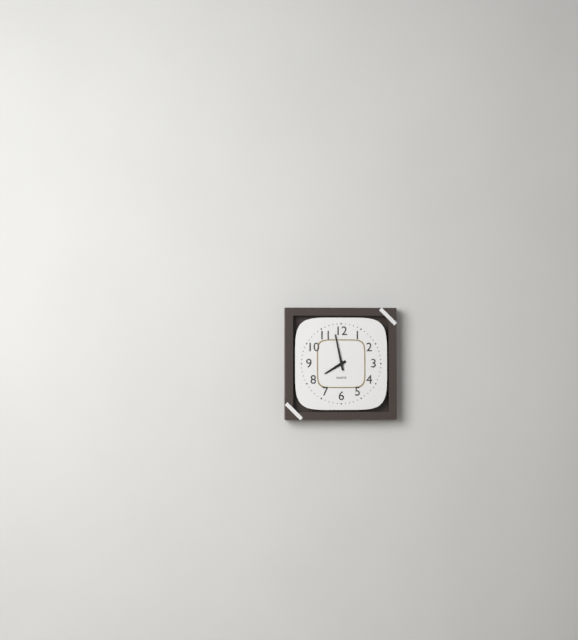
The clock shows h=7 m=58
